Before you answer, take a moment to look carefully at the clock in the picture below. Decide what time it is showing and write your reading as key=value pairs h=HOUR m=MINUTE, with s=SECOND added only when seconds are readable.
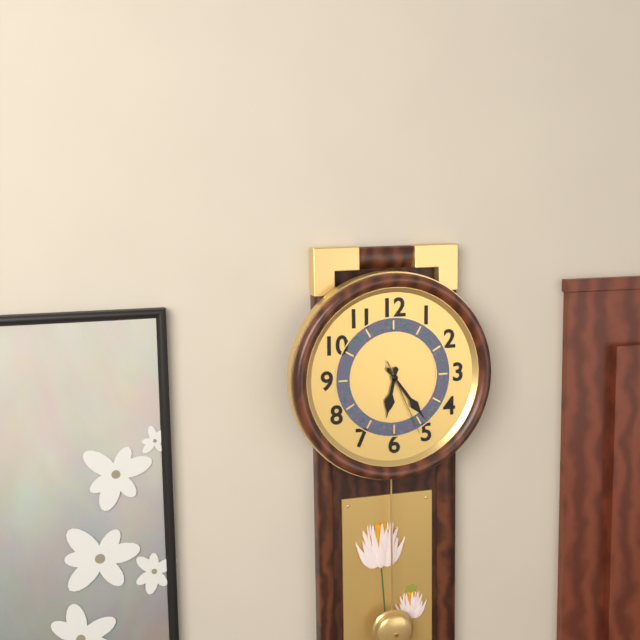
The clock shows h=6 m=24 s=26
